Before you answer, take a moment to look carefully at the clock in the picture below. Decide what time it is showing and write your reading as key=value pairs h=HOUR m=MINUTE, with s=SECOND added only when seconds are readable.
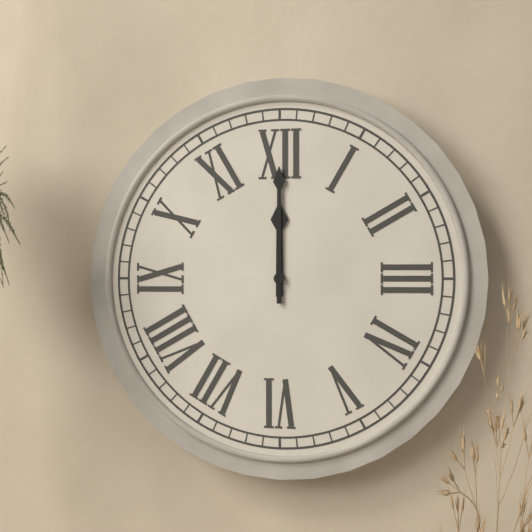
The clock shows h=12 m=0
